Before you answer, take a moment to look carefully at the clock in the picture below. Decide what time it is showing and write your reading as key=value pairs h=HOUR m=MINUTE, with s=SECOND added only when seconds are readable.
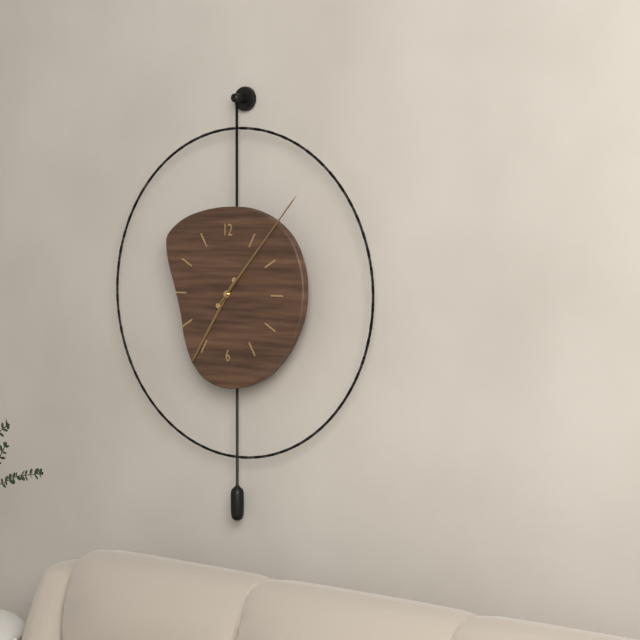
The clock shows h=7 m=7
